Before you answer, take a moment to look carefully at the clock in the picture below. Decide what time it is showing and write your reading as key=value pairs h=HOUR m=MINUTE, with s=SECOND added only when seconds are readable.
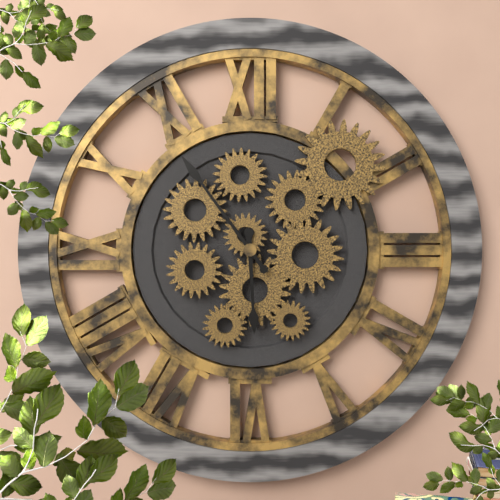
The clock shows h=5 m=54
